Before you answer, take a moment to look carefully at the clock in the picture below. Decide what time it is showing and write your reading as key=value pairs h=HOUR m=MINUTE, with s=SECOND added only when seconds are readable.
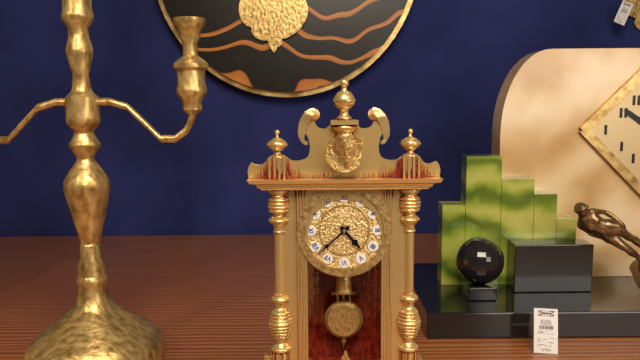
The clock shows h=4 m=38
